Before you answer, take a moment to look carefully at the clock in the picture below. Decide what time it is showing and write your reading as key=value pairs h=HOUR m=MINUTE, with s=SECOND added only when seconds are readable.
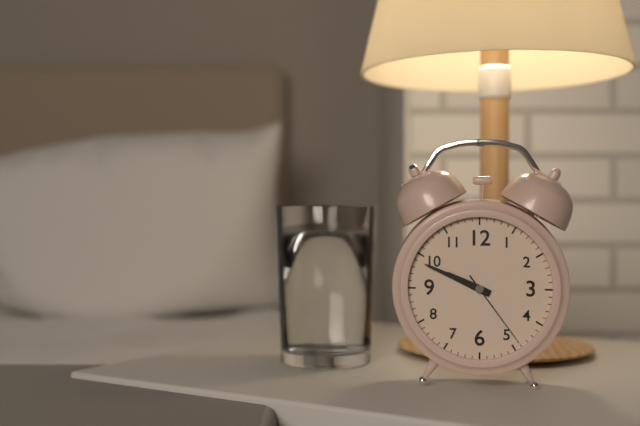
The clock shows h=9 m=49 s=24
